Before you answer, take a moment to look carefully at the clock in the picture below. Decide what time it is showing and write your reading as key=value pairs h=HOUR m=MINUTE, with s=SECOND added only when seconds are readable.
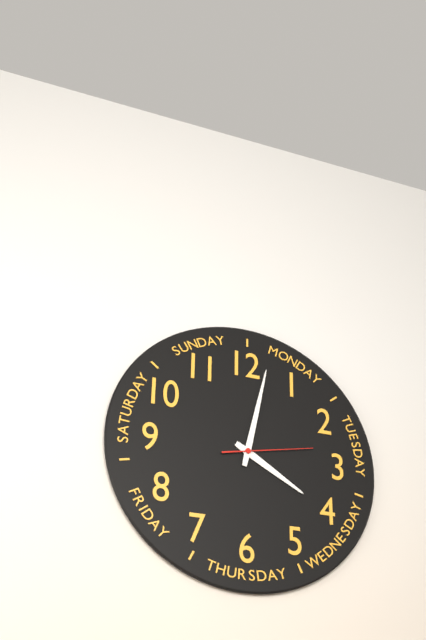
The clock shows h=4 m=2 s=13
